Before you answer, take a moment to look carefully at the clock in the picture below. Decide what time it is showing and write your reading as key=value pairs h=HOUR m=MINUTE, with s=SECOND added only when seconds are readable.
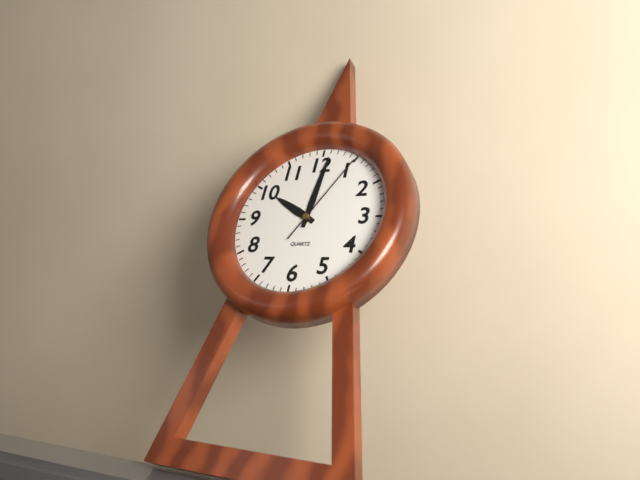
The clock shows h=10 m=1 s=5
